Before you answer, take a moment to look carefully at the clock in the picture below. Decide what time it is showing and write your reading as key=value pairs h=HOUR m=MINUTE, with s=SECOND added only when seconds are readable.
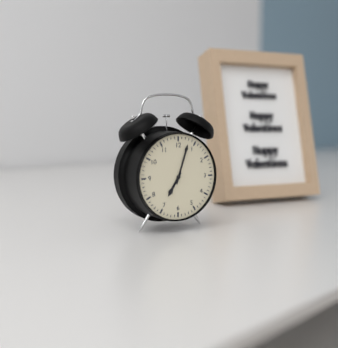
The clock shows h=7 m=3
